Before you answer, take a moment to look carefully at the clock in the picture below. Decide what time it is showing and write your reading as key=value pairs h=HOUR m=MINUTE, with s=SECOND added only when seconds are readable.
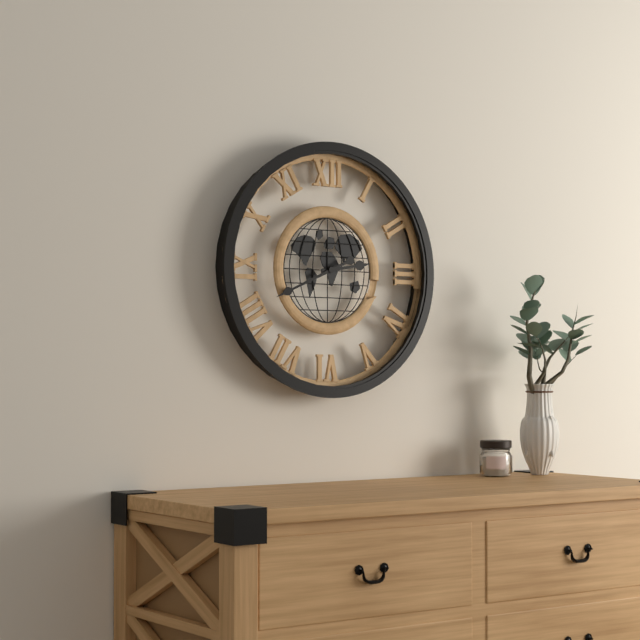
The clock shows h=2 m=41
